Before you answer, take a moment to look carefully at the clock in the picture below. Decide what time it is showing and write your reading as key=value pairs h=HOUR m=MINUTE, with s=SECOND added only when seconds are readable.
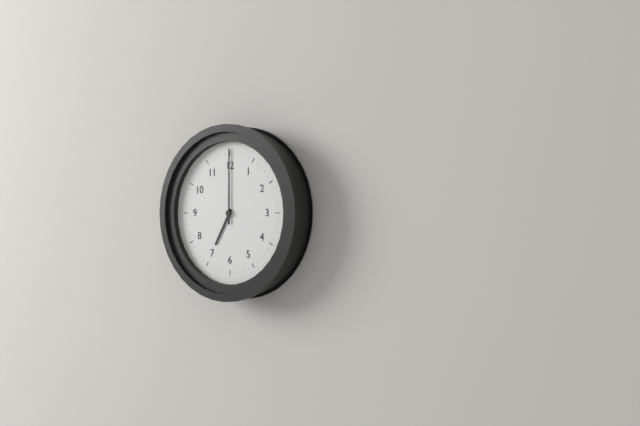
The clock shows h=7 m=0
